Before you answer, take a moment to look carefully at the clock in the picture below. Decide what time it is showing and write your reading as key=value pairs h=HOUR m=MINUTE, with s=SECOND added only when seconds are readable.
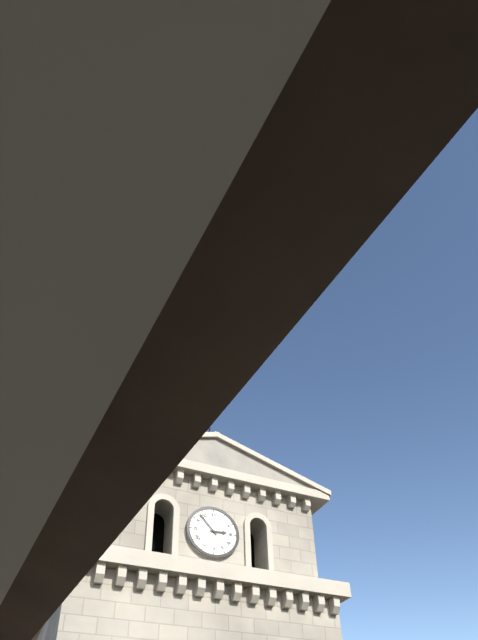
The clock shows h=2 m=53
